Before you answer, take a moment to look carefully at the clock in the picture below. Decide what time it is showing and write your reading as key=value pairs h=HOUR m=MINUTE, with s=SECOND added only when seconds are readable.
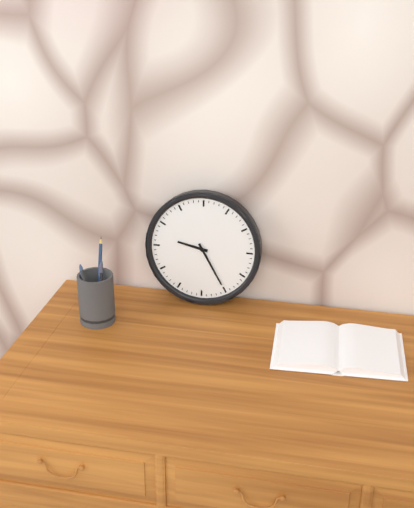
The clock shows h=9 m=25
